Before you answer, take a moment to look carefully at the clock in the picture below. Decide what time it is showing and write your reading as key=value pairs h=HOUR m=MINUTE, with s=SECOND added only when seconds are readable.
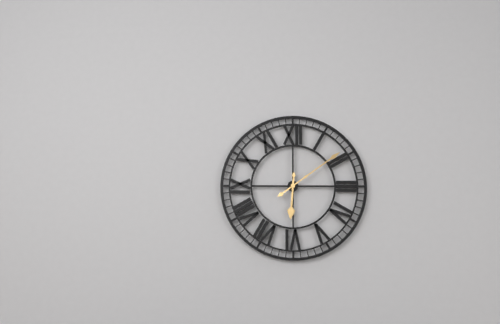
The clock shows h=6 m=9
